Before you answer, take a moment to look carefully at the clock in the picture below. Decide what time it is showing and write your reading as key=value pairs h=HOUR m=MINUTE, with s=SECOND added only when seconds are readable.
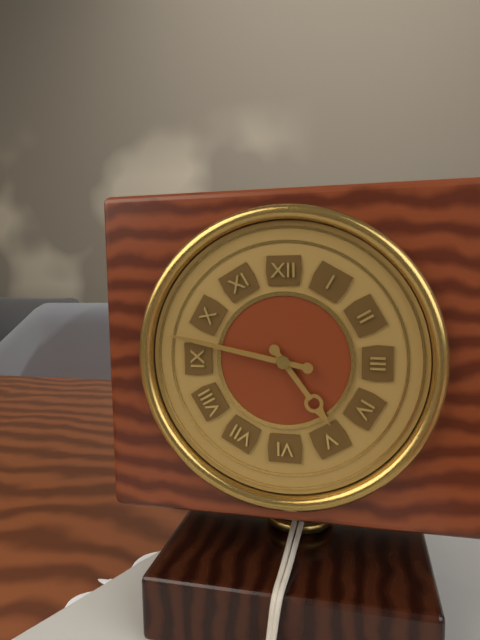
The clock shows h=4 m=47
